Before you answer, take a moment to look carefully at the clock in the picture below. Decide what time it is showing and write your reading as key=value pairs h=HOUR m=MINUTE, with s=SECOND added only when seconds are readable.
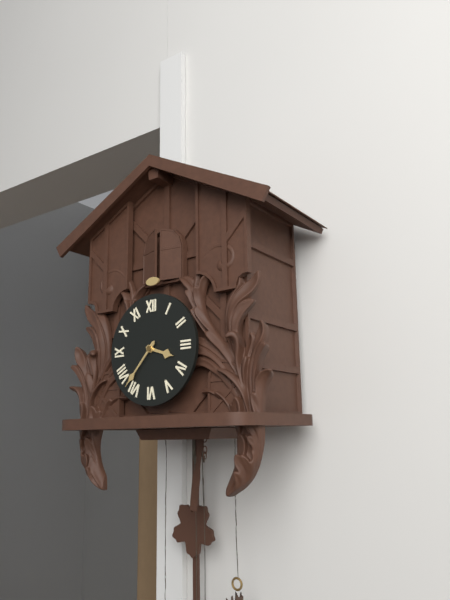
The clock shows h=3 m=37
